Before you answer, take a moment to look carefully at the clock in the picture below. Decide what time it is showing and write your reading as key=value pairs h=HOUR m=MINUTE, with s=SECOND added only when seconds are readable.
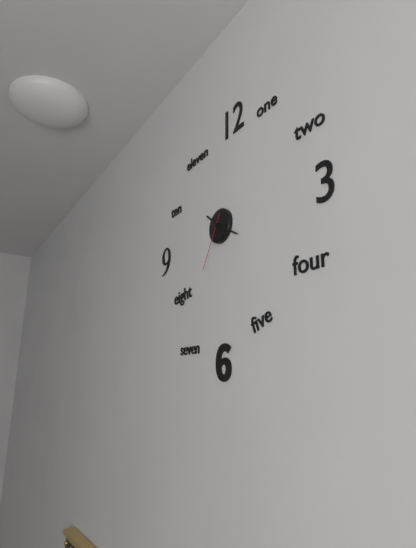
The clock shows h=10 m=20 s=35
